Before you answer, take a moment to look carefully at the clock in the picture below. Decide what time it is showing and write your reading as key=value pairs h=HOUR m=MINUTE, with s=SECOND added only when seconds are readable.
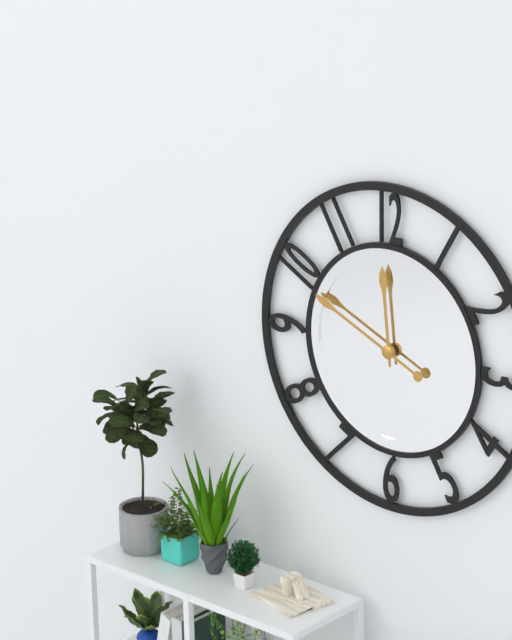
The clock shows h=11 m=49
